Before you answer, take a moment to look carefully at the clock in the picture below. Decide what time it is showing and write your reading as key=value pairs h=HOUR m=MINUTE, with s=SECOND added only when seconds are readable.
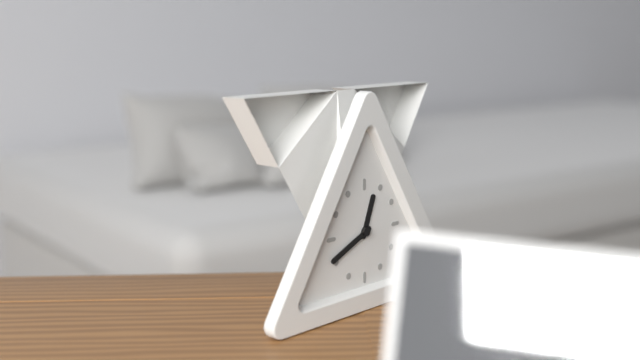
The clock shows h=12 m=41
